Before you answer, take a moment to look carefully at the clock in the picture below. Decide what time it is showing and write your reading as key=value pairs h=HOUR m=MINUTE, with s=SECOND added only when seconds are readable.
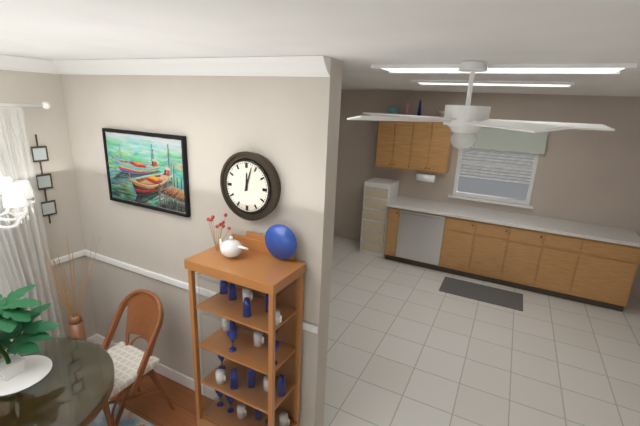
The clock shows h=12 m=3
